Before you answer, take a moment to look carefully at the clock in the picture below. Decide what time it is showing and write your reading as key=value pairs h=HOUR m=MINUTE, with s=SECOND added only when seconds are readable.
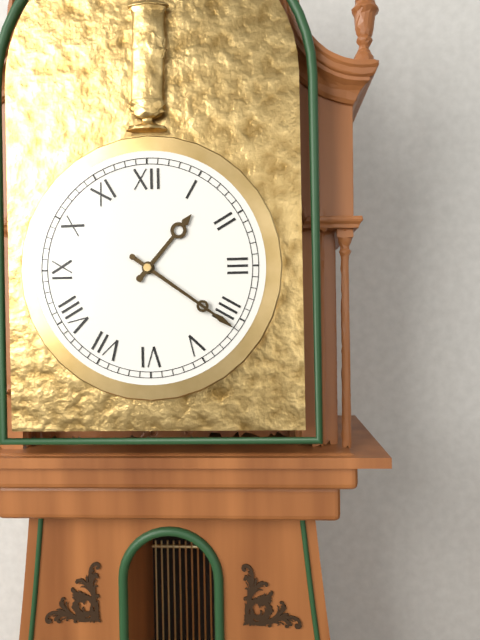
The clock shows h=1 m=21
